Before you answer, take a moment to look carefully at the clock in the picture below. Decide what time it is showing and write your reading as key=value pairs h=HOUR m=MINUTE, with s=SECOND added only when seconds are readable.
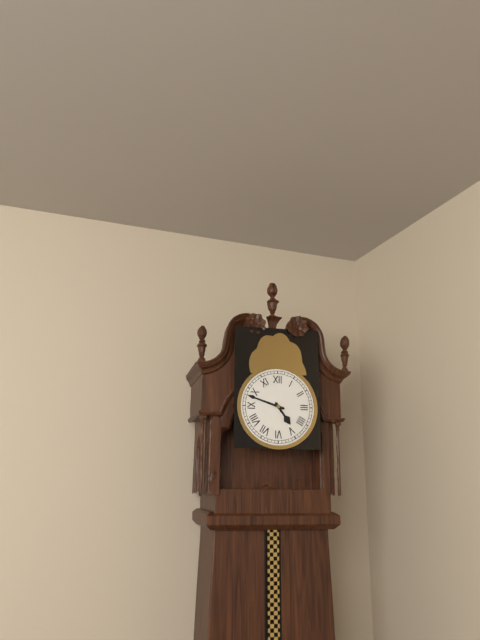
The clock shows h=4 m=48
